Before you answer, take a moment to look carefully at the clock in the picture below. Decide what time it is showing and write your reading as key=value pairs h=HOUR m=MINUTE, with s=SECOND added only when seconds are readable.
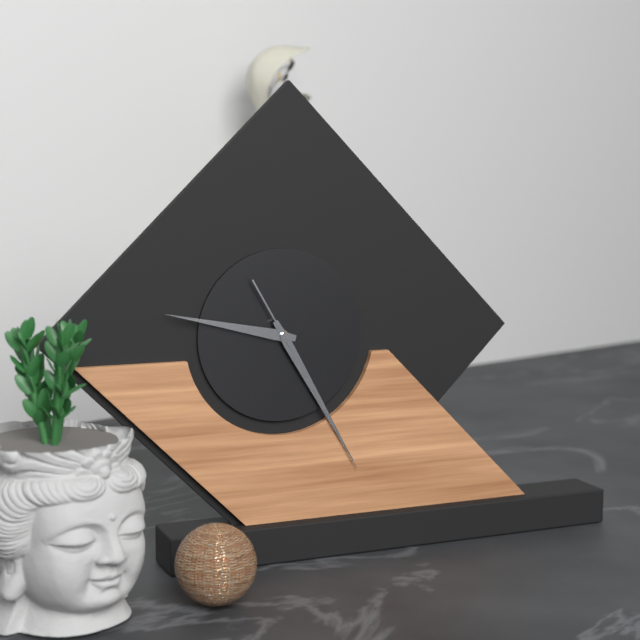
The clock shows h=9 m=25 s=25
